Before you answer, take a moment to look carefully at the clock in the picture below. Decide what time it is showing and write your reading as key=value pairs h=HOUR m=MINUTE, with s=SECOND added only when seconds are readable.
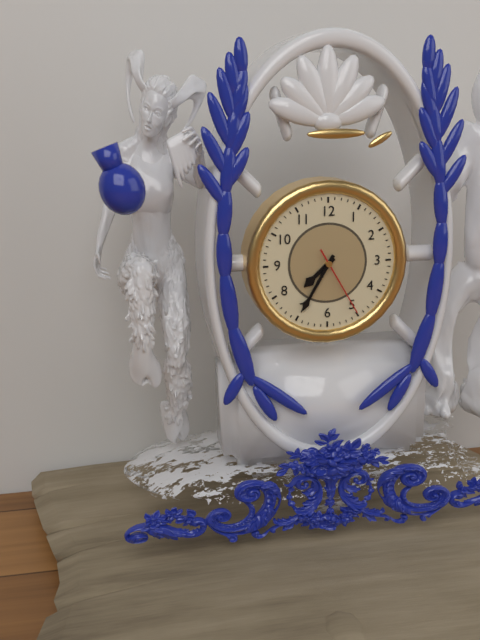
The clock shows h=7 m=35 s=25
